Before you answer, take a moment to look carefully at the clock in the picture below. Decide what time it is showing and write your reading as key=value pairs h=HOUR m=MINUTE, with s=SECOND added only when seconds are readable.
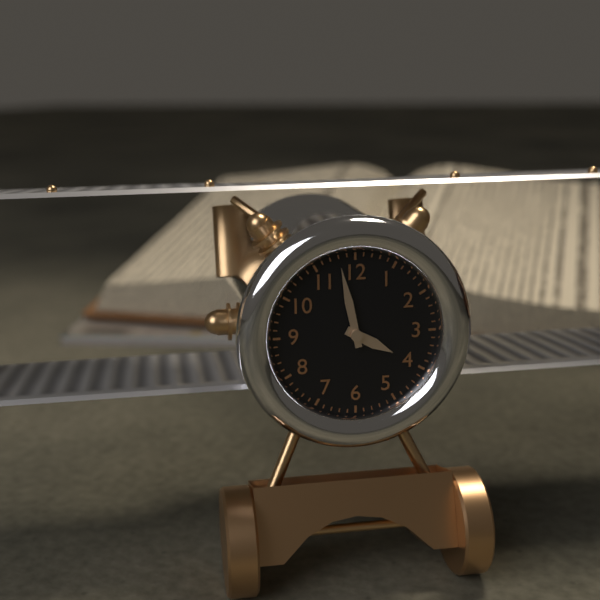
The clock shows h=3 m=58
